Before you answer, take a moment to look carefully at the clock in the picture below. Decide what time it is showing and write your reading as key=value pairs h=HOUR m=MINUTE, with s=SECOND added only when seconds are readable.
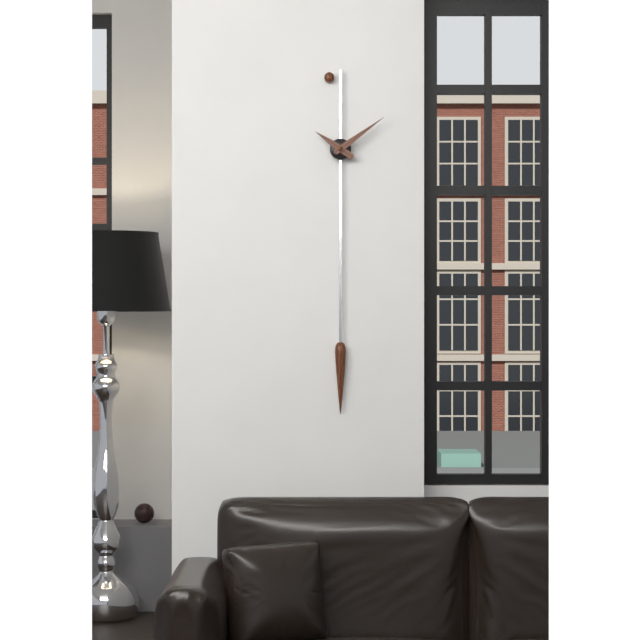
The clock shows h=10 m=9
